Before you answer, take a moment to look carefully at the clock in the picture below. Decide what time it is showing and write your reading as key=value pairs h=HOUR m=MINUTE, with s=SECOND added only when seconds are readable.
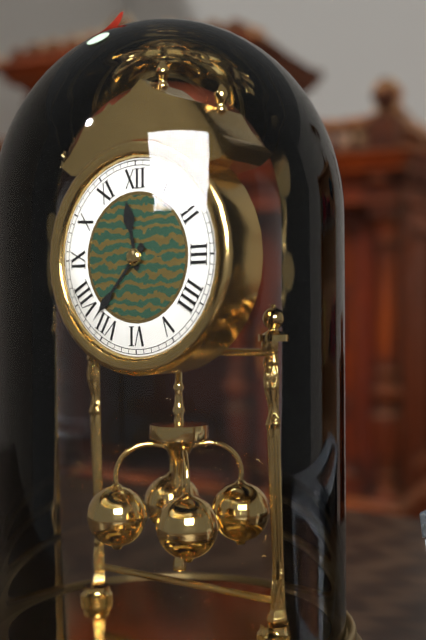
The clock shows h=11 m=37
